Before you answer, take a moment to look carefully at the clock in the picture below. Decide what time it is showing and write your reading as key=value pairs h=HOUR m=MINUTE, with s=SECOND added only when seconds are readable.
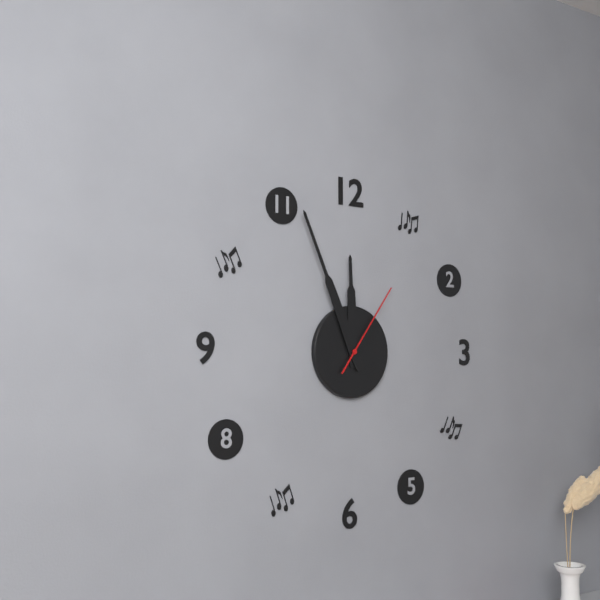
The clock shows h=11 m=56 s=6
